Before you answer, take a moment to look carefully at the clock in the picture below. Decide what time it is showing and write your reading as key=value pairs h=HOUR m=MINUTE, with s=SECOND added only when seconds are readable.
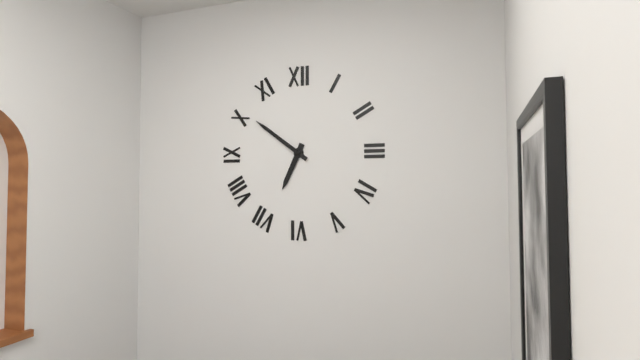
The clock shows h=6 m=51
